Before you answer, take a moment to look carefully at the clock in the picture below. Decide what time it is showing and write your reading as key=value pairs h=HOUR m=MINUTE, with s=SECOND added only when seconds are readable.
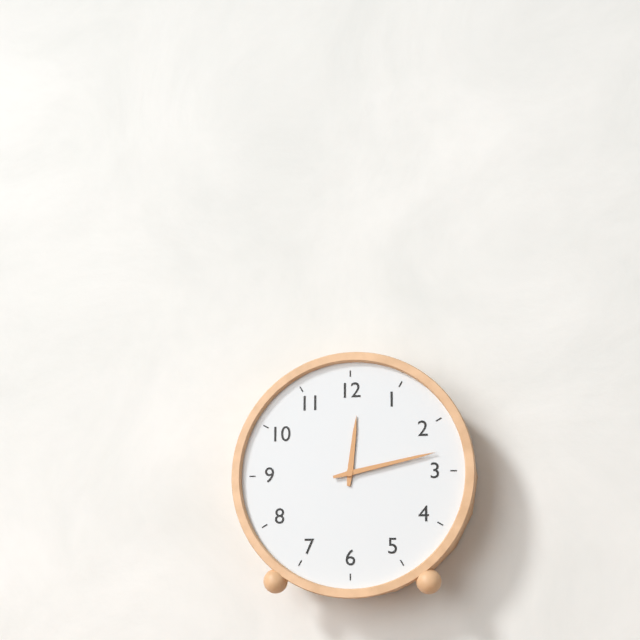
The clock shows h=12 m=13
